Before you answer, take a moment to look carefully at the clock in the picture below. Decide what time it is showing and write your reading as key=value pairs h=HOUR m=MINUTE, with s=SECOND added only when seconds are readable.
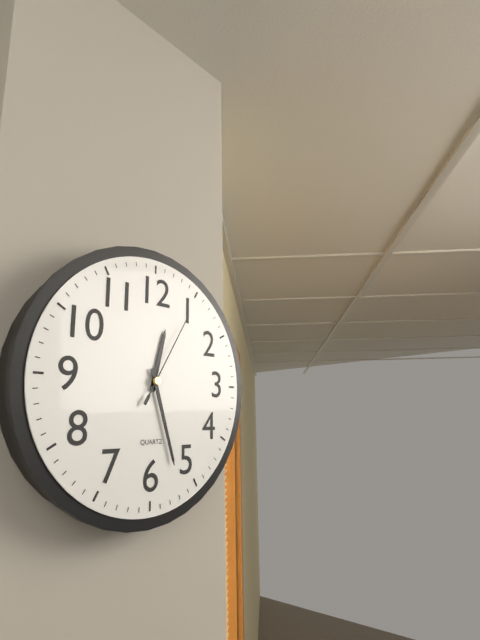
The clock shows h=12 m=27 s=5
